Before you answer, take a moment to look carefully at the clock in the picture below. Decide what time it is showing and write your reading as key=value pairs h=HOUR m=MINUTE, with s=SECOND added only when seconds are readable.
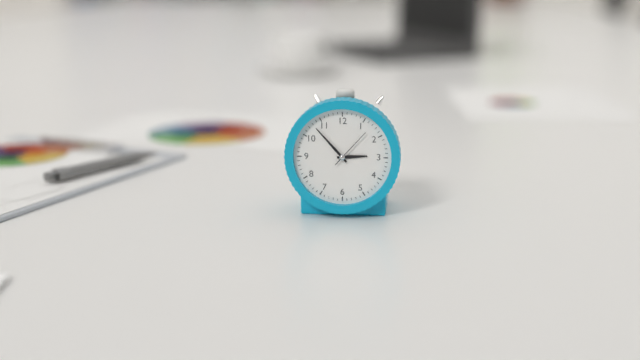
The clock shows h=2 m=53
